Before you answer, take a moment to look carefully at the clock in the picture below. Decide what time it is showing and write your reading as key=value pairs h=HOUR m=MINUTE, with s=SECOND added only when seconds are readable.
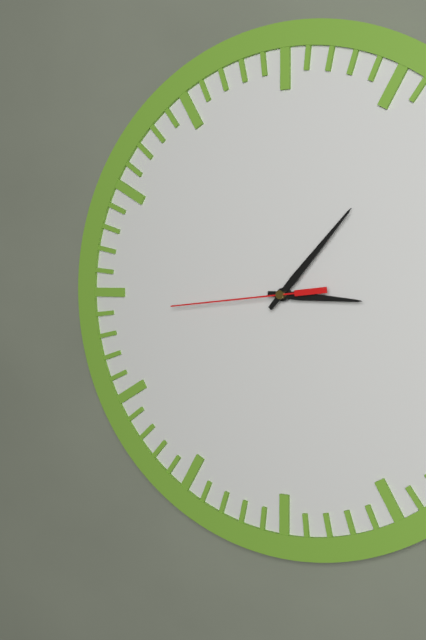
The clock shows h=3 m=7 s=44
